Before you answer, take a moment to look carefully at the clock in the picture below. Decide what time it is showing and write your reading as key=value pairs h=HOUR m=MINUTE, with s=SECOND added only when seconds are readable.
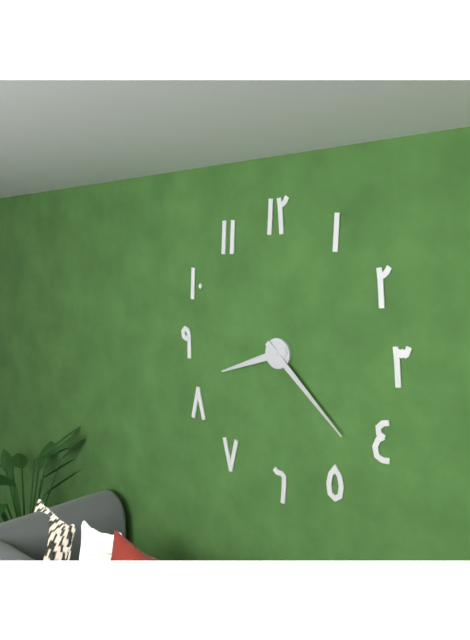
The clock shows h=8 m=22
